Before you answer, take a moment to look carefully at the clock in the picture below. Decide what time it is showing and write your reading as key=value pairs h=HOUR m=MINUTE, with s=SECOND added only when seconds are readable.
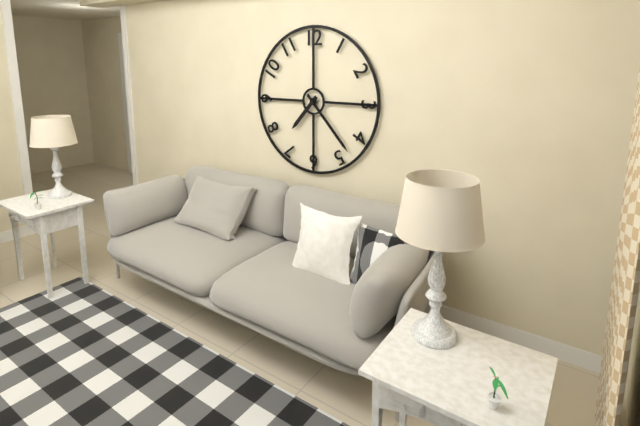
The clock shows h=7 m=23
